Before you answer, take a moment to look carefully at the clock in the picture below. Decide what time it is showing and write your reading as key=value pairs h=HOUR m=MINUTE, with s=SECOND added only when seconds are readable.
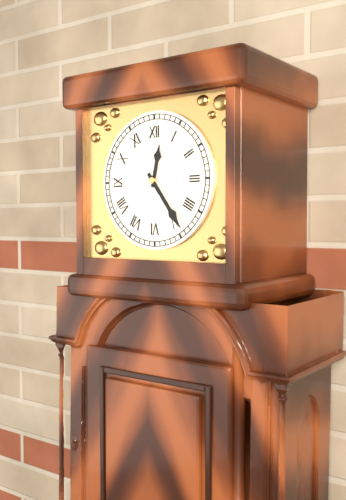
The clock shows h=12 m=24
